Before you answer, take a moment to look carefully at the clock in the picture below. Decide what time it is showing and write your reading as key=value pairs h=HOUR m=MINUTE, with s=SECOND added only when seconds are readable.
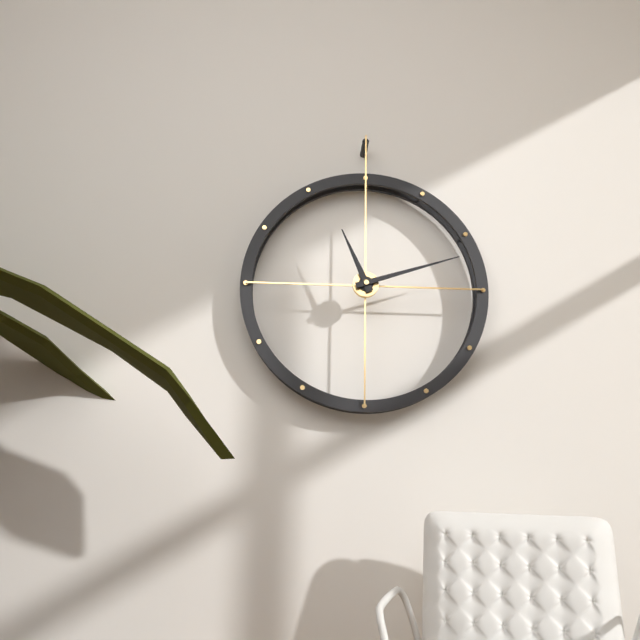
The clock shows h=11 m=12
